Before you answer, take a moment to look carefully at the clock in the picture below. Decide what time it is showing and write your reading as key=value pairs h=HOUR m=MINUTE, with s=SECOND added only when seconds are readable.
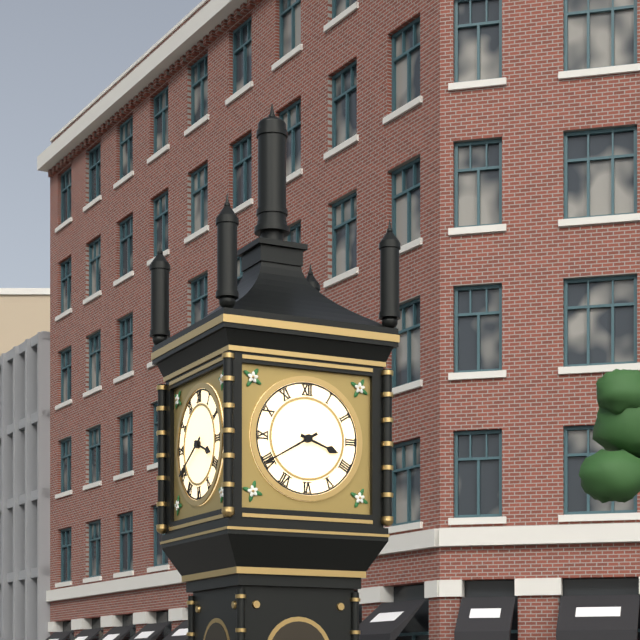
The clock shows h=3 m=40
